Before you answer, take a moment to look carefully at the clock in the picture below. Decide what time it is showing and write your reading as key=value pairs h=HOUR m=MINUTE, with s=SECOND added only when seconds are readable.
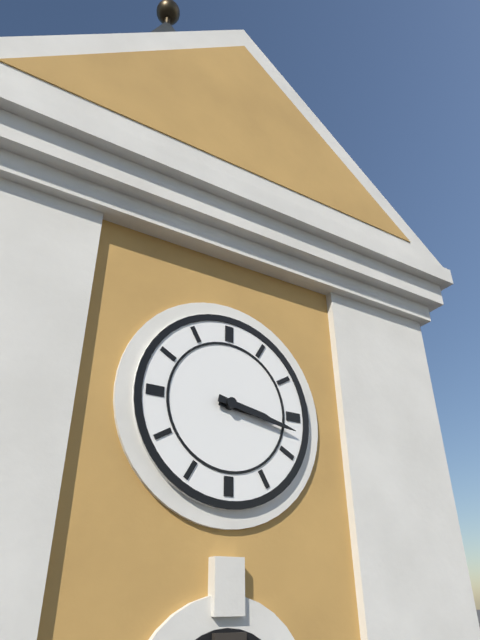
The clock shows h=3 m=17
